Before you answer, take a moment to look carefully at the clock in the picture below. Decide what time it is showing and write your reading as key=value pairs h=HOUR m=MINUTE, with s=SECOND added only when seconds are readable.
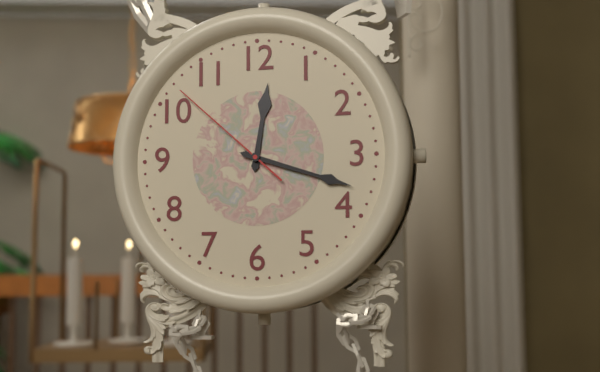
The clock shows h=12 m=18 s=52
